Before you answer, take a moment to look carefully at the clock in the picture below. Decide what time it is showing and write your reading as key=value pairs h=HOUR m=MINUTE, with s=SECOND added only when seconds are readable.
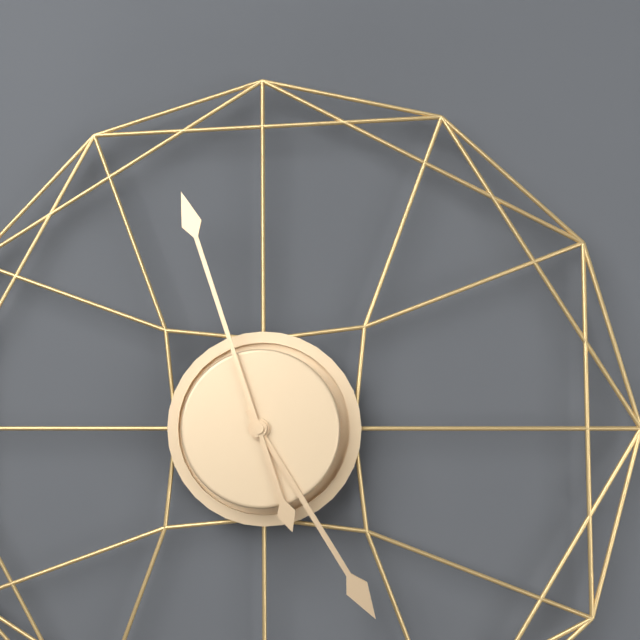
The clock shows h=4 m=57
